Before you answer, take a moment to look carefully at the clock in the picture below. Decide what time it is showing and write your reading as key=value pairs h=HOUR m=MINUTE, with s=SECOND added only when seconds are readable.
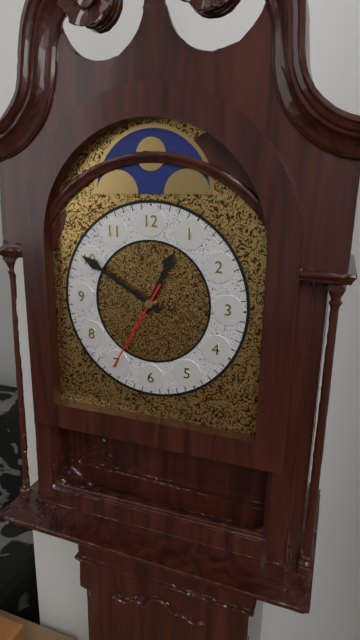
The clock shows h=12 m=50 s=35
